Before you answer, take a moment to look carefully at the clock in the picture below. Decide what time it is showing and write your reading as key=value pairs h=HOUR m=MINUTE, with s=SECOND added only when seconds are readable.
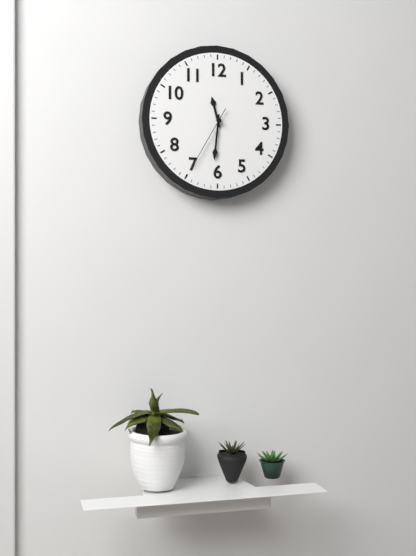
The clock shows h=11 m=31 s=35
